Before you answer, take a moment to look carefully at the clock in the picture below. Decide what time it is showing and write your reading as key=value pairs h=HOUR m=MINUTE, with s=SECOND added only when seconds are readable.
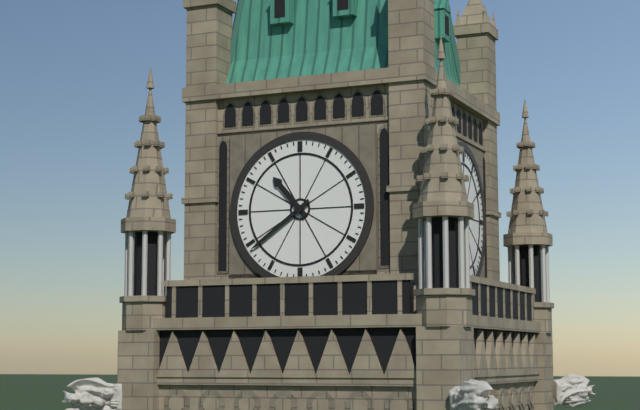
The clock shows h=10 m=39
